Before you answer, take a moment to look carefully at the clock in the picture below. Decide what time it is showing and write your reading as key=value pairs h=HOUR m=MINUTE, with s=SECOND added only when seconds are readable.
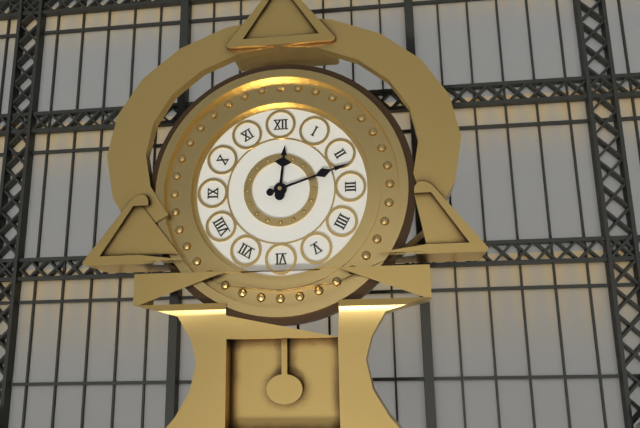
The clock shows h=12 m=12
